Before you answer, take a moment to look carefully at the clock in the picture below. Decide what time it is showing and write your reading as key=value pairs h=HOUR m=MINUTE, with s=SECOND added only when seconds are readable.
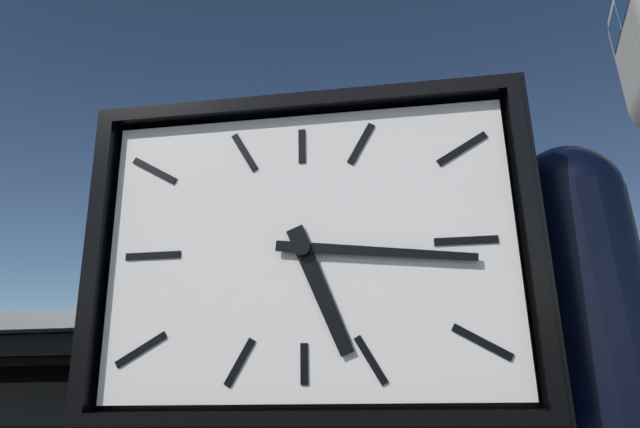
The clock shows h=5 m=16
